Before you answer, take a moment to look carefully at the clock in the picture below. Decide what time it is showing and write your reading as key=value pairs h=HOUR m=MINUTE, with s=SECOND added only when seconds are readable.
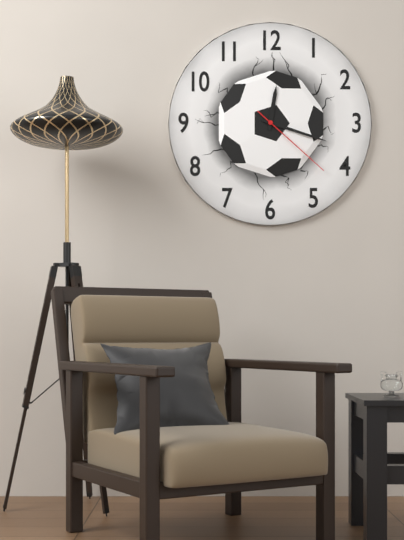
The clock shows h=12 m=18 s=22
